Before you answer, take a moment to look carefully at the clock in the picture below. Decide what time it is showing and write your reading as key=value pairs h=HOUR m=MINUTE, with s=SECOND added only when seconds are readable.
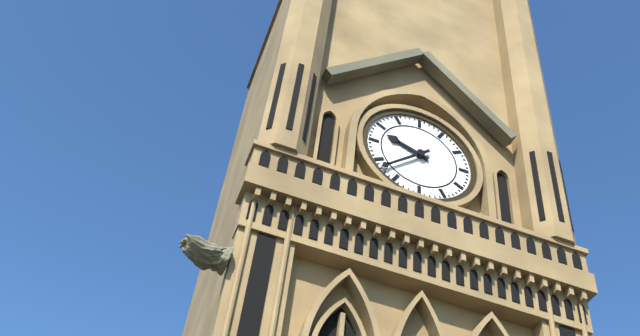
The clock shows h=9 m=38
